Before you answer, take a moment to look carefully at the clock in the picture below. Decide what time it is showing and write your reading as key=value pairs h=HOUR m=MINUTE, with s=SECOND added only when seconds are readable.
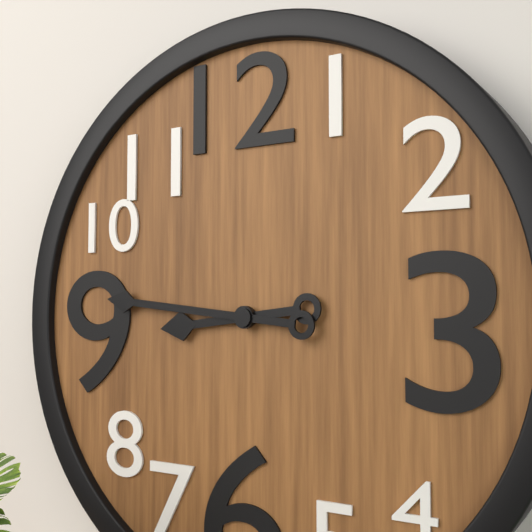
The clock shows h=8 m=46
